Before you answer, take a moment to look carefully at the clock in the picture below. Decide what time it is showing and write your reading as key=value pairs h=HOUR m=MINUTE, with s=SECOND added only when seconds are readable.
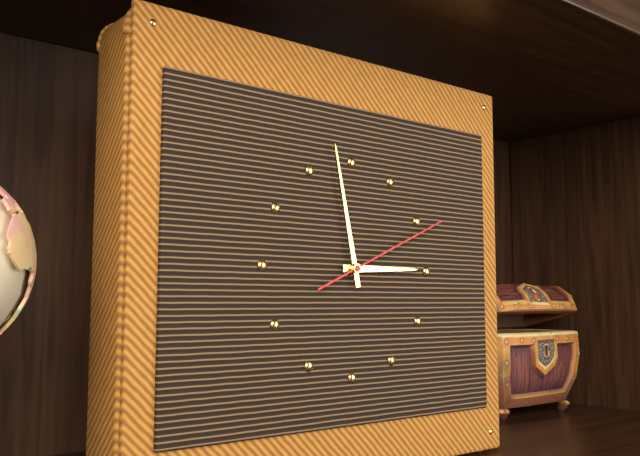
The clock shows h=2 m=58 s=11
